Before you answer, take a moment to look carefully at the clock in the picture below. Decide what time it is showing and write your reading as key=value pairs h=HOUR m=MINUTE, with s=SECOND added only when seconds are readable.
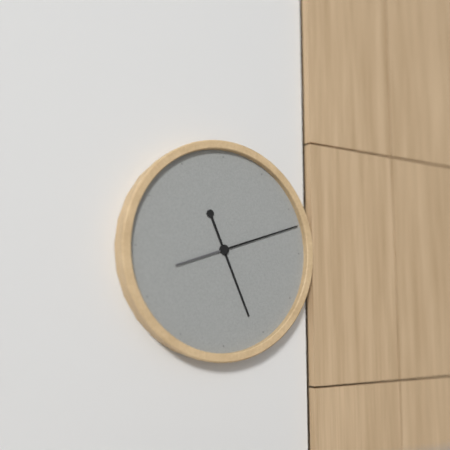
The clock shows h=5 m=12
